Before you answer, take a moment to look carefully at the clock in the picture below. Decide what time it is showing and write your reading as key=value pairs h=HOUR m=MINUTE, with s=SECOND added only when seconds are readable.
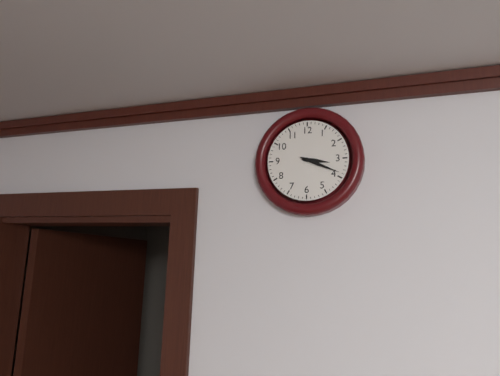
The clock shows h=3 m=19
